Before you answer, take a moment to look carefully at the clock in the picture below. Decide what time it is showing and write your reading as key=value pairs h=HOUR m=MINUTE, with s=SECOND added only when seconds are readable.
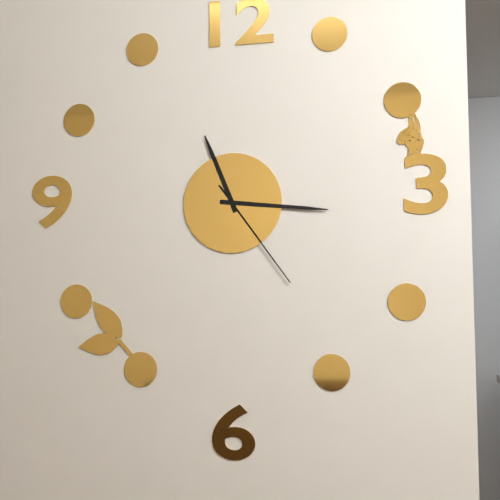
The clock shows h=11 m=16 s=24
